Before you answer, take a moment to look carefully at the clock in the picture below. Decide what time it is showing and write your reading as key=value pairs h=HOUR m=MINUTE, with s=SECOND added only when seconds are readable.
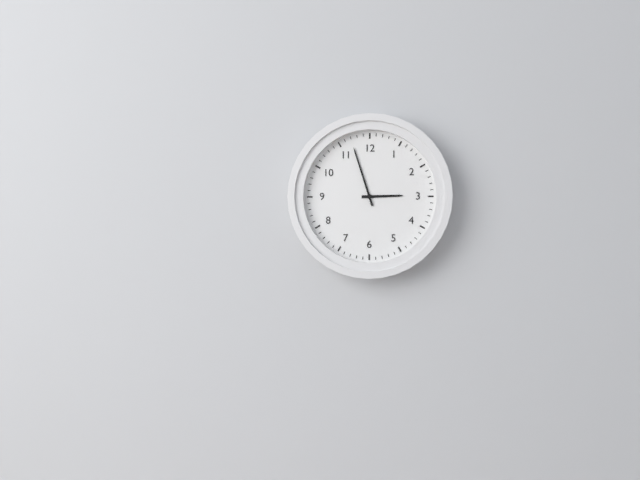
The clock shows h=2 m=57
